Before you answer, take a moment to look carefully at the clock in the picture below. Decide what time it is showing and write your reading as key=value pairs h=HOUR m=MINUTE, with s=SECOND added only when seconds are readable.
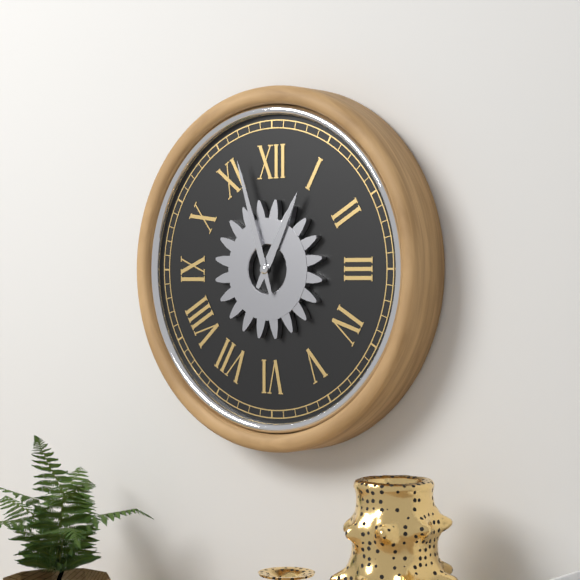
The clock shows h=12 m=57
